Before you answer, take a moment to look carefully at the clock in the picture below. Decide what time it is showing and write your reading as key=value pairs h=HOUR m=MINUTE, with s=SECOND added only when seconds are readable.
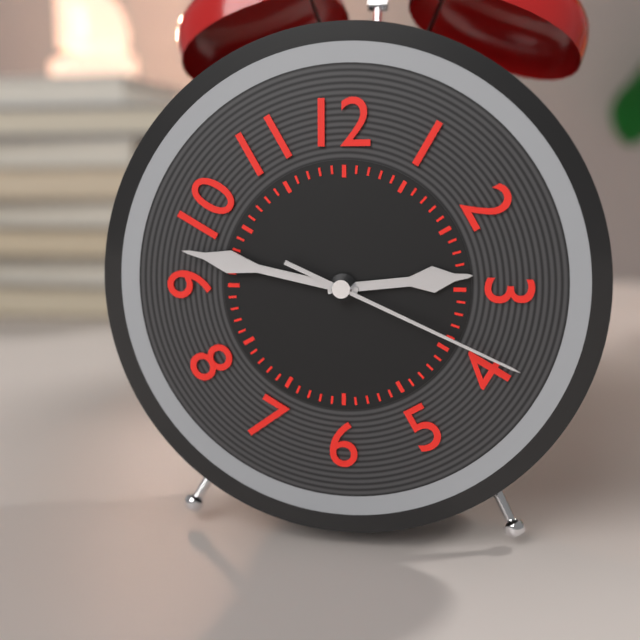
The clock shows h=2 m=47 s=19
